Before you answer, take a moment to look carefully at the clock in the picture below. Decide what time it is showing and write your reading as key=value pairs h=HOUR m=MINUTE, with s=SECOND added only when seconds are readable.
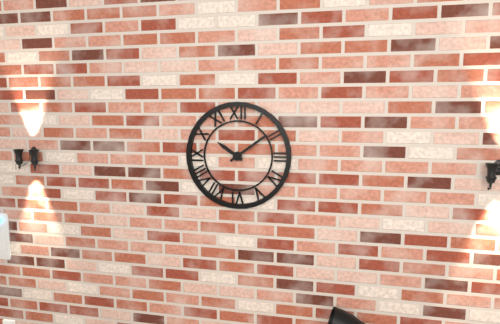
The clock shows h=10 m=9
